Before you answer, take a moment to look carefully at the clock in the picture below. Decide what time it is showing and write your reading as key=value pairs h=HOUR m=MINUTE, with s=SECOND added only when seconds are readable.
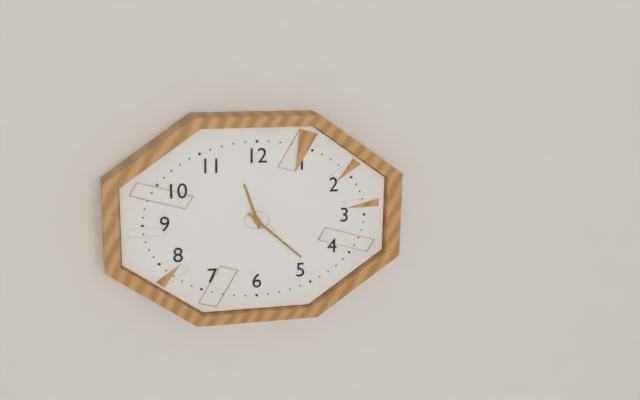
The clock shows h=11 m=22
